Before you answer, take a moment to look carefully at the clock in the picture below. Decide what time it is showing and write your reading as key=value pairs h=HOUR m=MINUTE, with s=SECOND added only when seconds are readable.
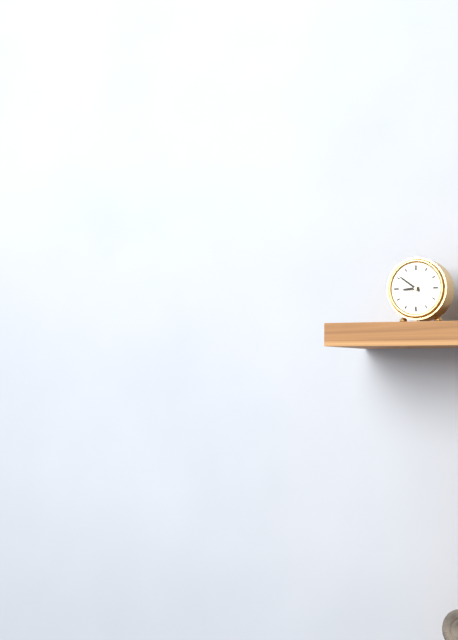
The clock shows h=8 m=51
